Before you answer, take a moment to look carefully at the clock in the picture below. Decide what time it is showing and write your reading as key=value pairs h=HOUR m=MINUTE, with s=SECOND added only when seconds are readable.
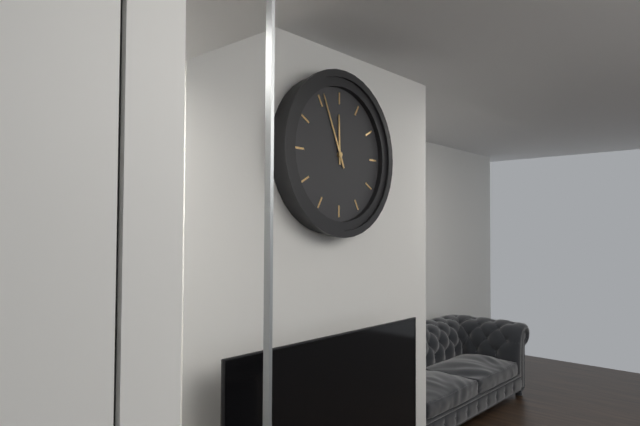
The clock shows h=11 m=56
